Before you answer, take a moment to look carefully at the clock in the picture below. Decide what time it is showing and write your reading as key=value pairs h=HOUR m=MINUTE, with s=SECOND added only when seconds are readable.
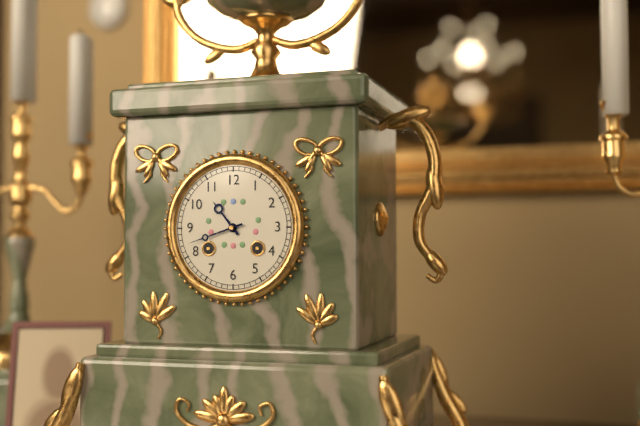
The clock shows h=10 m=42
